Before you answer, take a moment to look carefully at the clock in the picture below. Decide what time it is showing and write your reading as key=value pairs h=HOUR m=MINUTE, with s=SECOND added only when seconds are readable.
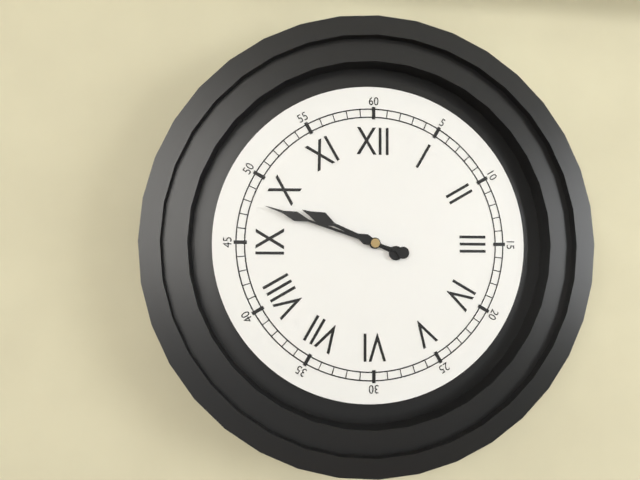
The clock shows h=9 m=48
